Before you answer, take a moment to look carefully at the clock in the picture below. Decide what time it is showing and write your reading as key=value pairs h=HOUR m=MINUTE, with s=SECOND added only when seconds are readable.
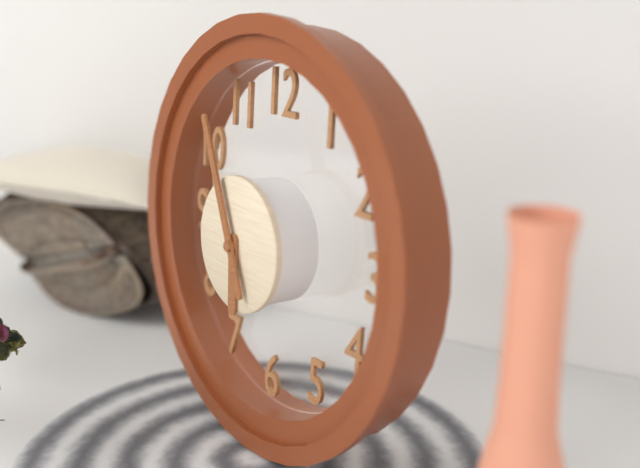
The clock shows h=5 m=56
